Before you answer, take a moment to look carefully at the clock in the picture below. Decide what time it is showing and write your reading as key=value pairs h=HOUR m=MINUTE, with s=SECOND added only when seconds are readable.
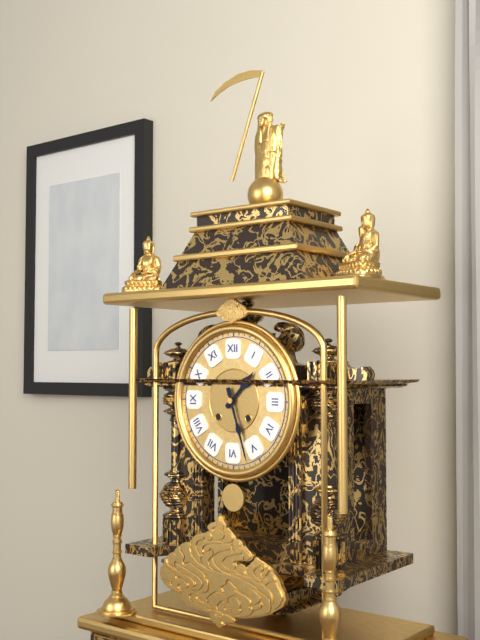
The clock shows h=1 m=27
